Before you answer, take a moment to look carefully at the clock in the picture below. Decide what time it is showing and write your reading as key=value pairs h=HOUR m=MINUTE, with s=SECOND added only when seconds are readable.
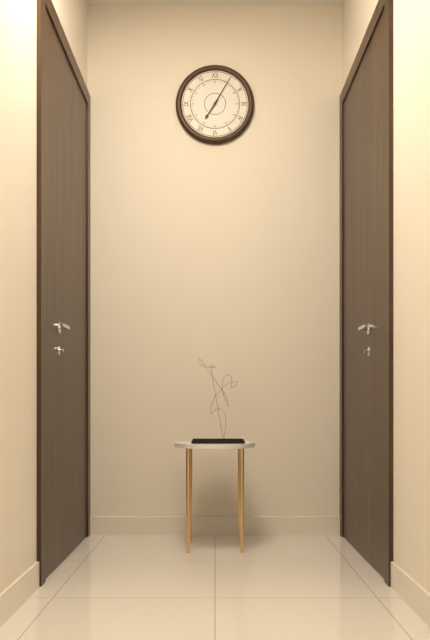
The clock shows h=7 m=5
